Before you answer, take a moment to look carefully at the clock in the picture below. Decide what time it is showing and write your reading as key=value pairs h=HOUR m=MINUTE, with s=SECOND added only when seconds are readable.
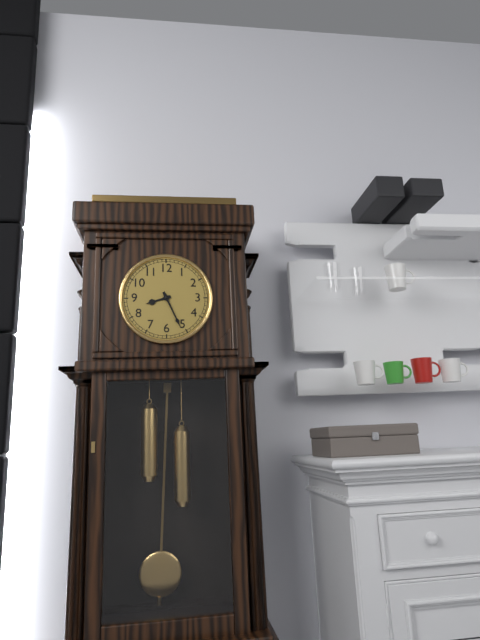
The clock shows h=8 m=26
